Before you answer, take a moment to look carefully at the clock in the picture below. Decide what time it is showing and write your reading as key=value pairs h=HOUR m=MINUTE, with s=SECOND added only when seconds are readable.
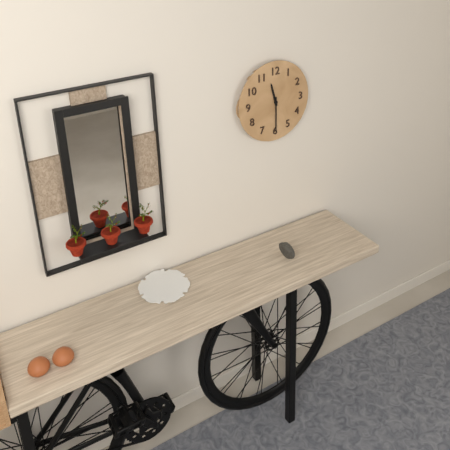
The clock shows h=11 m=30
